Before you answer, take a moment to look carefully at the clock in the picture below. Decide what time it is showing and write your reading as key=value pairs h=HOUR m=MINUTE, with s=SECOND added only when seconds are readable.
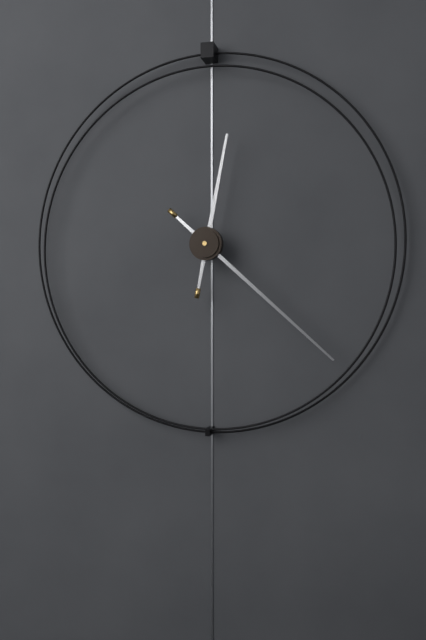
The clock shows h=12 m=22
